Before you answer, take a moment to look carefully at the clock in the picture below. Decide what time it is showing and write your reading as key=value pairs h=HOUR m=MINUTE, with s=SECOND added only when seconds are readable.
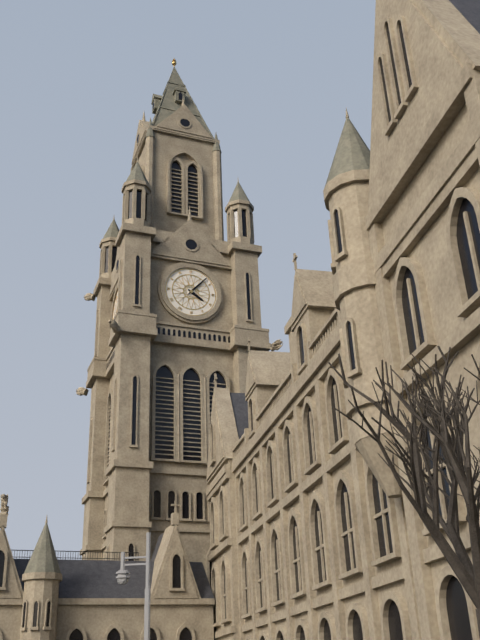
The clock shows h=4 m=7
